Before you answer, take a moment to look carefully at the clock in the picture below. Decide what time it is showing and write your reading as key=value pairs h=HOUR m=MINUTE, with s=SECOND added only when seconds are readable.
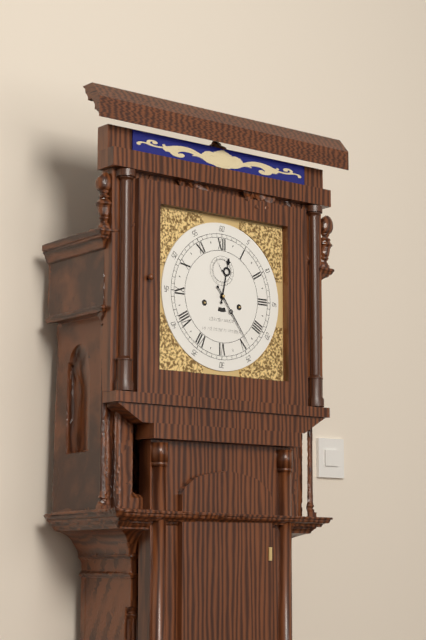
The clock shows h=12 m=24
